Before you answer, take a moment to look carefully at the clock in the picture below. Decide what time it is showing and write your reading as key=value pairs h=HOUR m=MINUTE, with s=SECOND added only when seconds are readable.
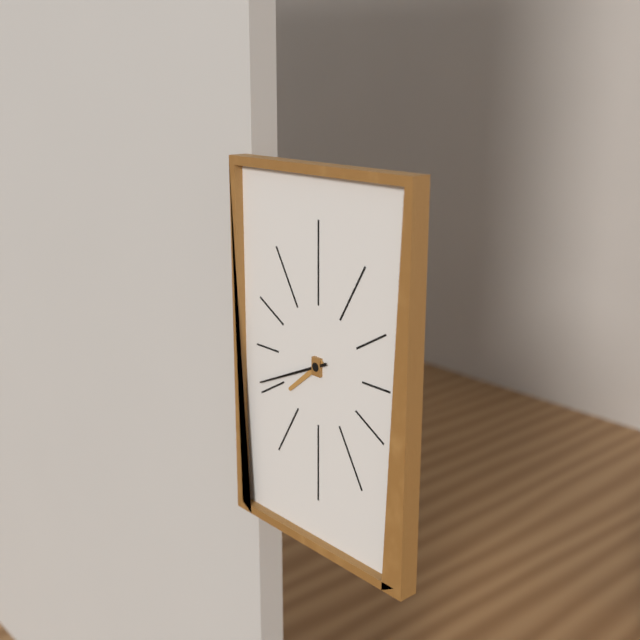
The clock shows h=7 m=41
